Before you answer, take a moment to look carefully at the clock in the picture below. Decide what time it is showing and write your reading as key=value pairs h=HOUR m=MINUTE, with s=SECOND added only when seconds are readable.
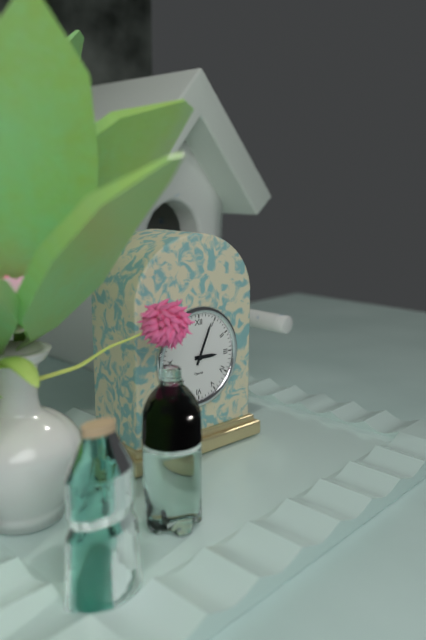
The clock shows h=3 m=4
